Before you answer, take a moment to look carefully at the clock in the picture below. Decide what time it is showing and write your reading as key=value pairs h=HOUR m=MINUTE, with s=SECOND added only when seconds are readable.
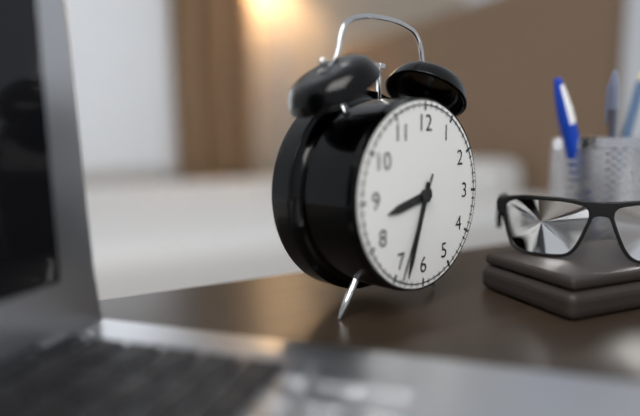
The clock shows h=8 m=33 s=34
